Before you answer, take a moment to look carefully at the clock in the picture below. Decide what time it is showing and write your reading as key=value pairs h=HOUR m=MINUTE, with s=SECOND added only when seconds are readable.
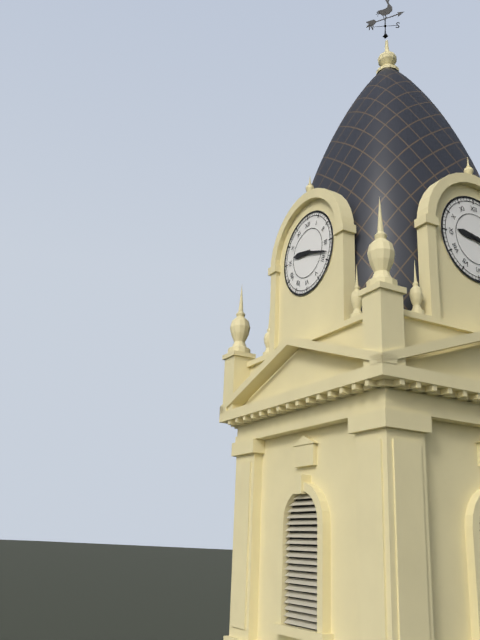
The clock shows h=9 m=18
